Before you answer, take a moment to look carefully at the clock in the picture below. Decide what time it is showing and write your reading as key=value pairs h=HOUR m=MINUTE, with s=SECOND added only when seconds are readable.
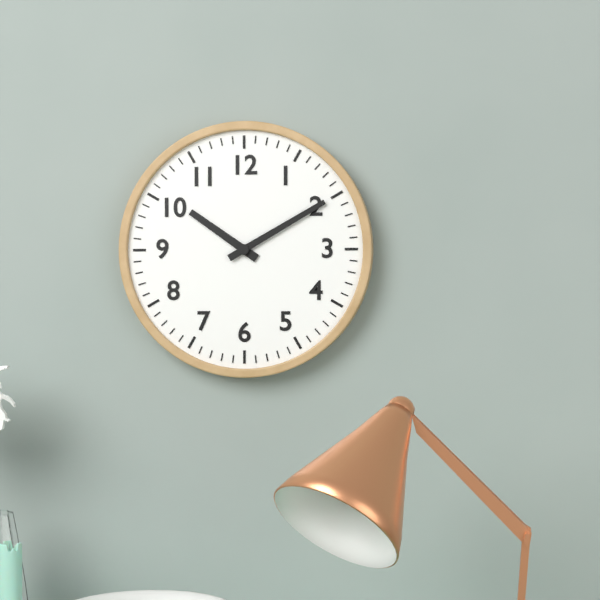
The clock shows h=10 m=10
